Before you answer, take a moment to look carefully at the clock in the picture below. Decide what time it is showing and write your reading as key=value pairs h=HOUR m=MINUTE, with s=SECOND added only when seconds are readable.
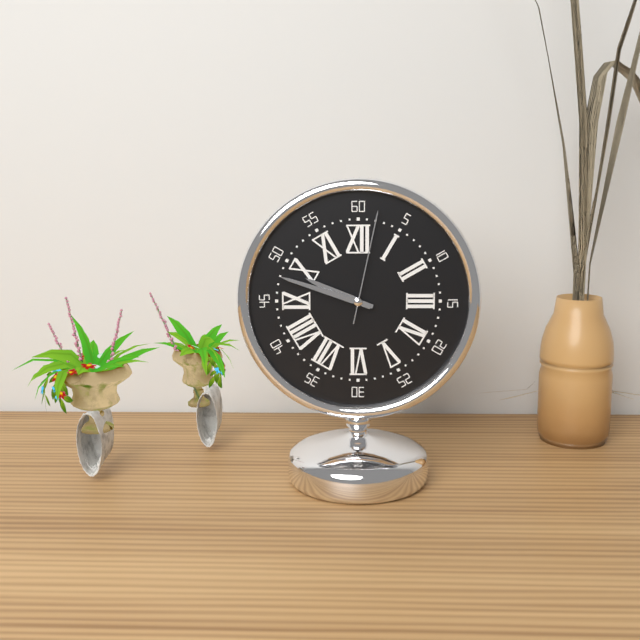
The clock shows h=9 m=48 s=2
